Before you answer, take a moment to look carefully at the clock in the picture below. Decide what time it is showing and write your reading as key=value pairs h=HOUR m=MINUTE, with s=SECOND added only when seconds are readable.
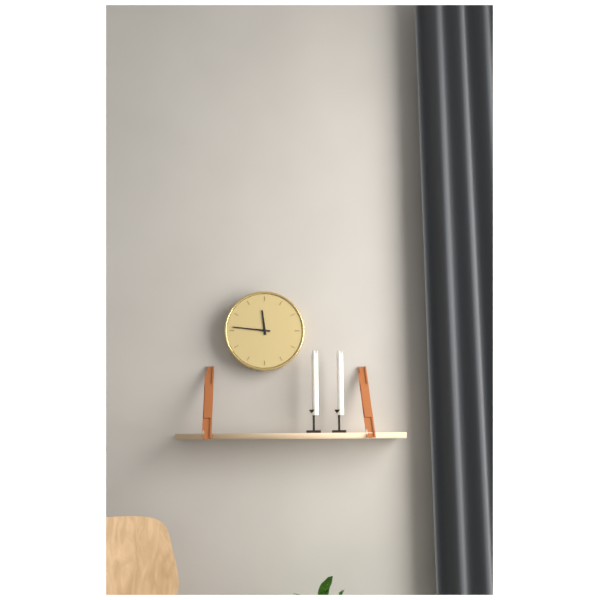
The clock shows h=11 m=46
